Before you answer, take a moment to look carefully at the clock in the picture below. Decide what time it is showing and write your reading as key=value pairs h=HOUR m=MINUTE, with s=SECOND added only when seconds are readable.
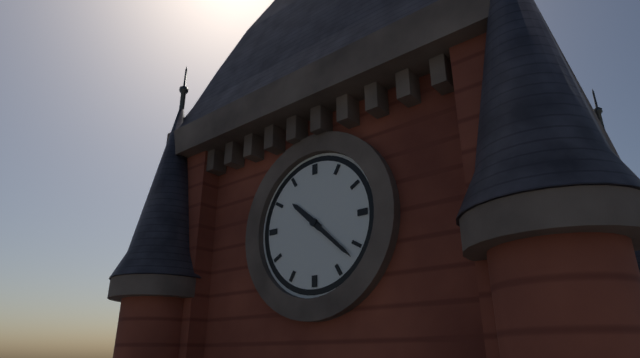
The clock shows h=10 m=22
